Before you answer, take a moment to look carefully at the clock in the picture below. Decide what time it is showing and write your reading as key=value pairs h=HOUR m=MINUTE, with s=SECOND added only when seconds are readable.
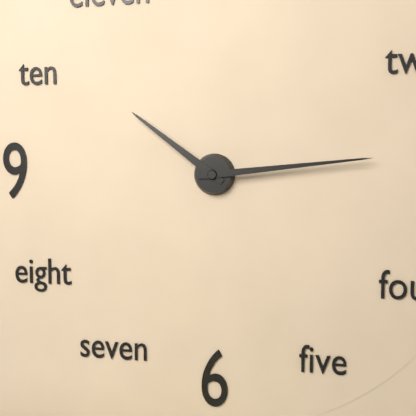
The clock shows h=10 m=14
